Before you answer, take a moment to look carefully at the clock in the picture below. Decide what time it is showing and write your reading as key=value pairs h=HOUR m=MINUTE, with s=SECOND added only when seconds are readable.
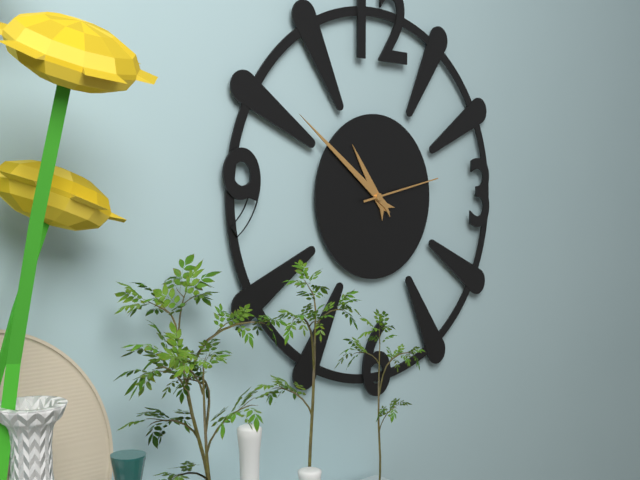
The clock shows h=10 m=51 s=13
